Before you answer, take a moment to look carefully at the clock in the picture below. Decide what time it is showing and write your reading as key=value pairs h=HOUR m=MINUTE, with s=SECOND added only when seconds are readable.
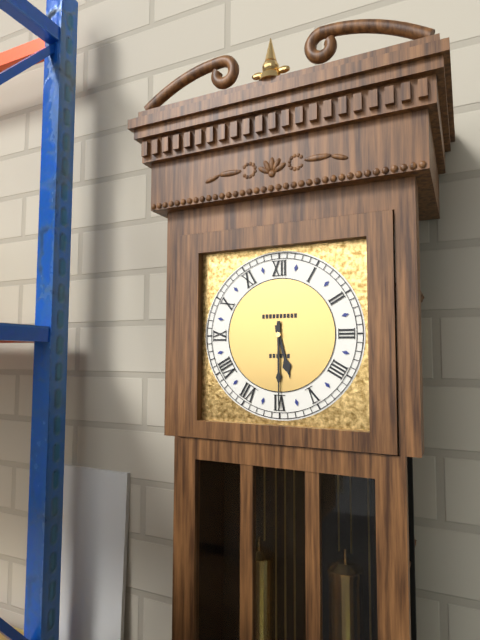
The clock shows h=5 m=30
